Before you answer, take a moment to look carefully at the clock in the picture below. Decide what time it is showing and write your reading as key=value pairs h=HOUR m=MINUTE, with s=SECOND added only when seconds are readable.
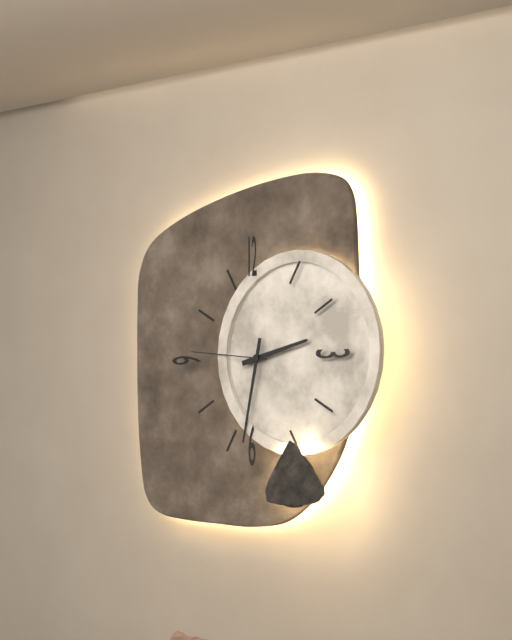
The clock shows h=2 m=32 s=46
